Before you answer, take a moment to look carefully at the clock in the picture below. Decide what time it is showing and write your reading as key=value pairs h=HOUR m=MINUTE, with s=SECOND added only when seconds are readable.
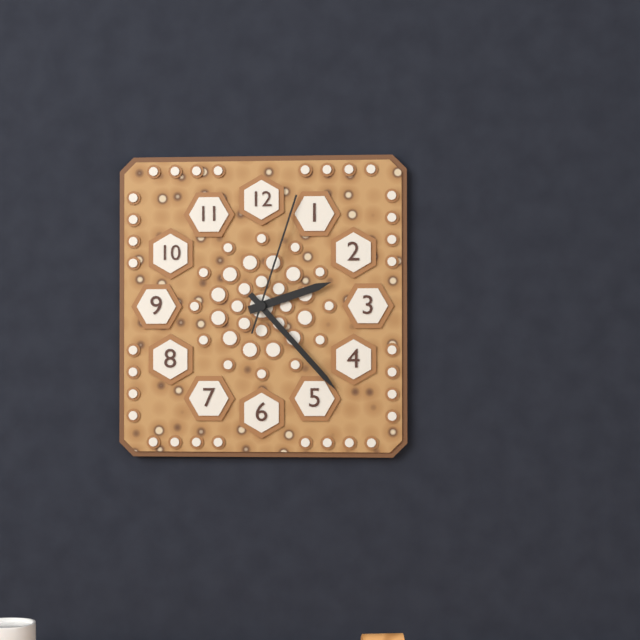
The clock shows h=2 m=23 s=3
